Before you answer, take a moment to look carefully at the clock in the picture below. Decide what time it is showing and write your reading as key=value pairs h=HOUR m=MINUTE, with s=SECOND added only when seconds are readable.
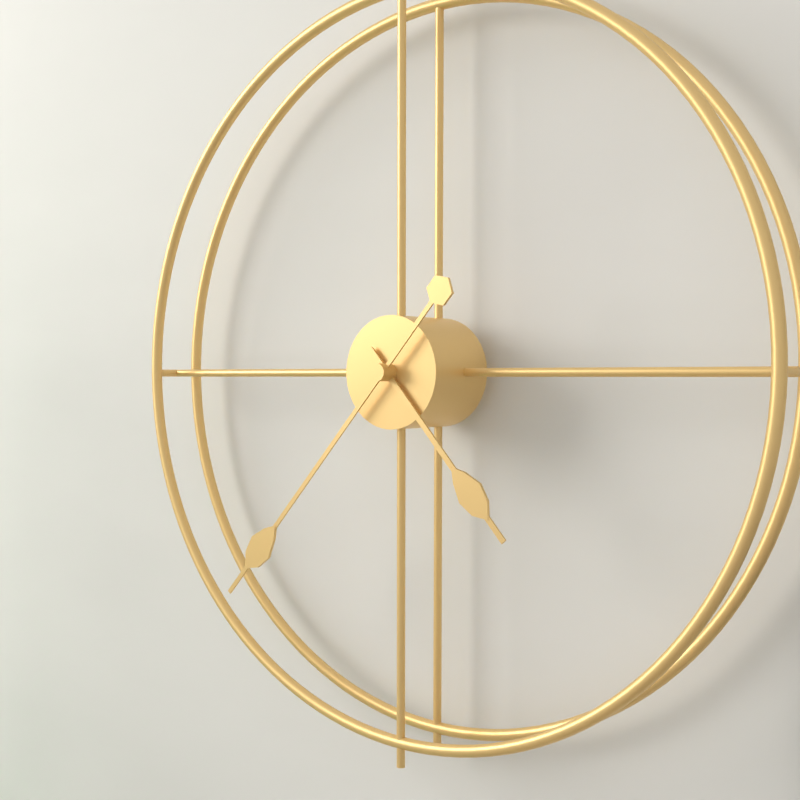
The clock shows h=4 m=37
